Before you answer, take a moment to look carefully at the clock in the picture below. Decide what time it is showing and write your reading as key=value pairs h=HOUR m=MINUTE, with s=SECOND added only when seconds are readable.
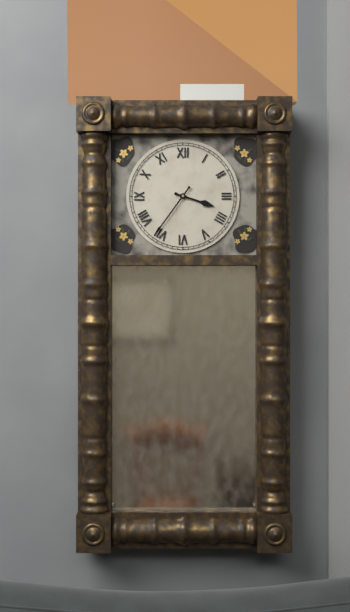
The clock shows h=3 m=36
